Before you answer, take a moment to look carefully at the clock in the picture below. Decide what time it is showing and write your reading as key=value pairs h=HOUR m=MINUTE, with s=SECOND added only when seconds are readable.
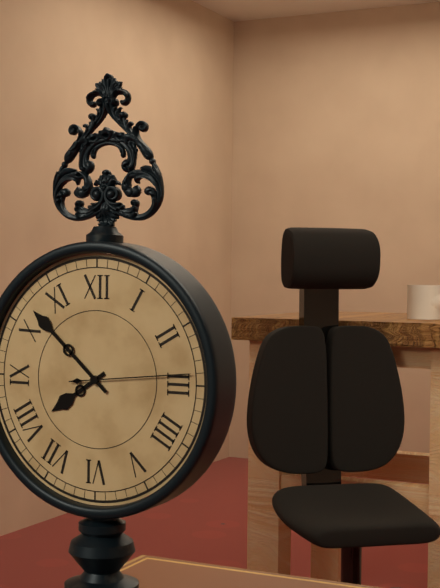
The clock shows h=7 m=52 s=14
